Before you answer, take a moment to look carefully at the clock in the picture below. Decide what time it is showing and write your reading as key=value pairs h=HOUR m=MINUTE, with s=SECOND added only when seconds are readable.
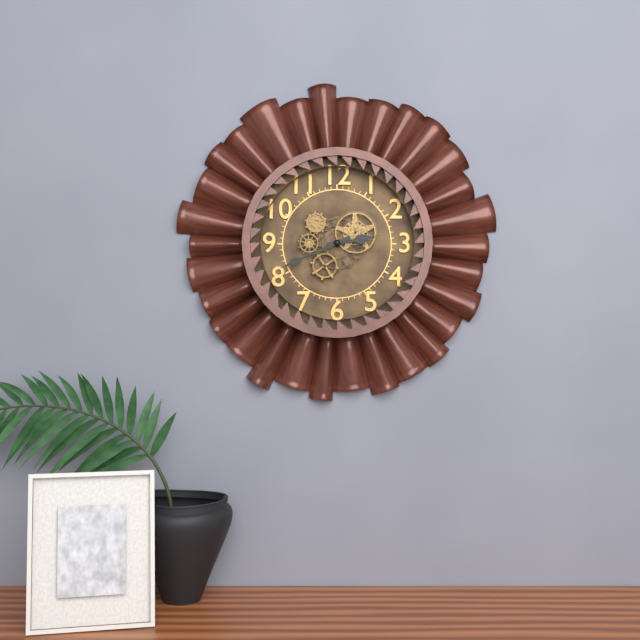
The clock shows h=2 m=41
